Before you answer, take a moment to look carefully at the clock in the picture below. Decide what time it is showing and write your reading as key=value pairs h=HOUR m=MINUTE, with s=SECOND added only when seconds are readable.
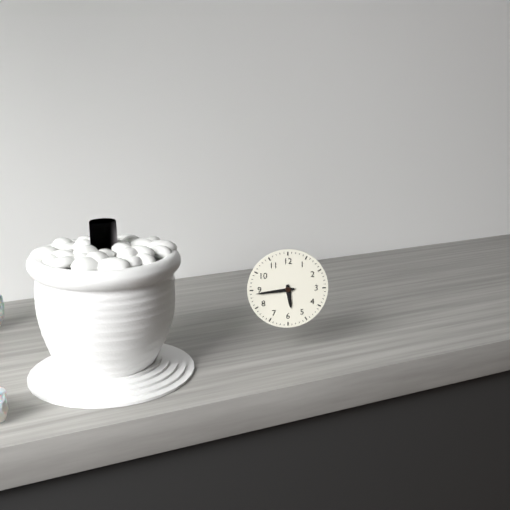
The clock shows h=5 m=44
